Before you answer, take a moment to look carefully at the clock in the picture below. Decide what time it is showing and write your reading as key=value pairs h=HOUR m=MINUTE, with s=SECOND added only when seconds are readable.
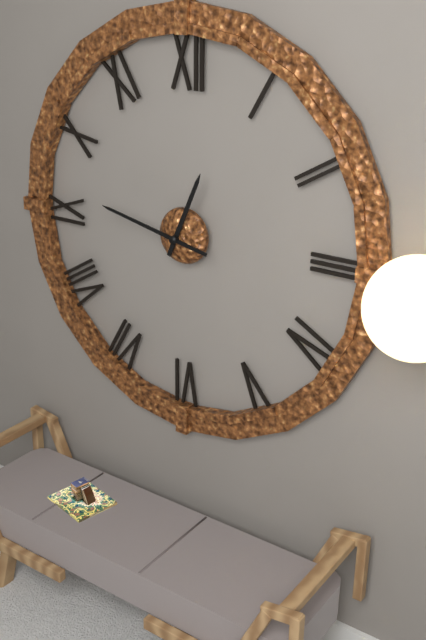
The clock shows h=12 m=47
